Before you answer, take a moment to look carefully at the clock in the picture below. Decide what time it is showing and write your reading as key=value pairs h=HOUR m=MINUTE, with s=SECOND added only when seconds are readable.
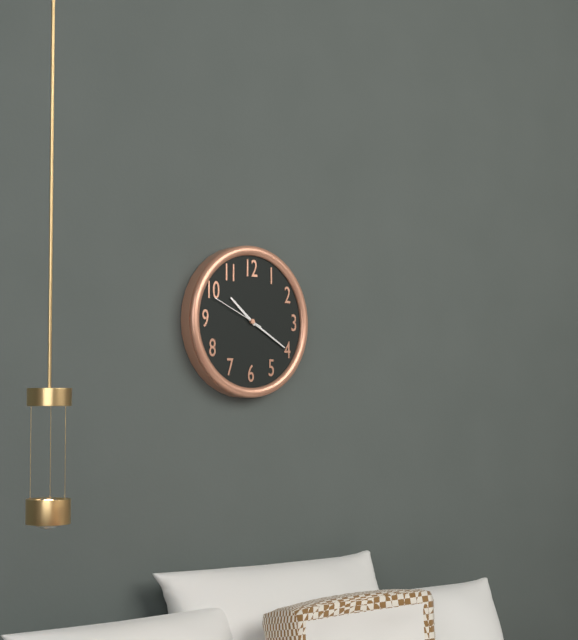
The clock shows h=10 m=20 s=49
